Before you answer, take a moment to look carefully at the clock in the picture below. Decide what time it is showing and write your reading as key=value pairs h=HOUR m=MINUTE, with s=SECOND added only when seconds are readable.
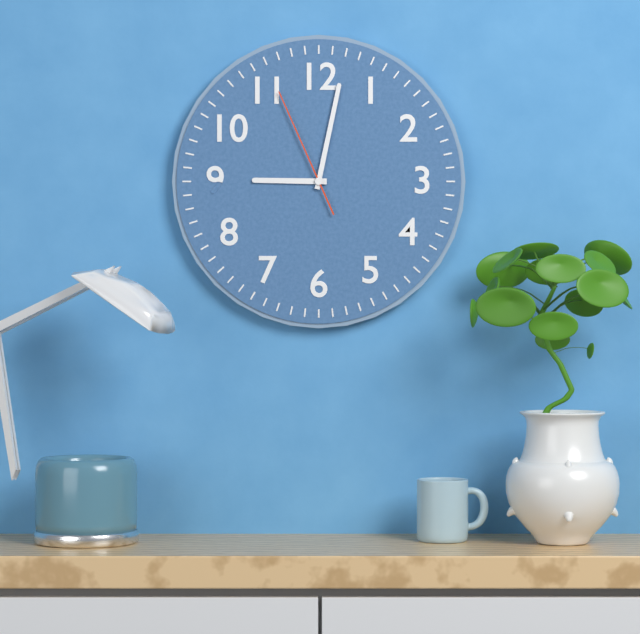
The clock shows h=9 m=2 s=56
